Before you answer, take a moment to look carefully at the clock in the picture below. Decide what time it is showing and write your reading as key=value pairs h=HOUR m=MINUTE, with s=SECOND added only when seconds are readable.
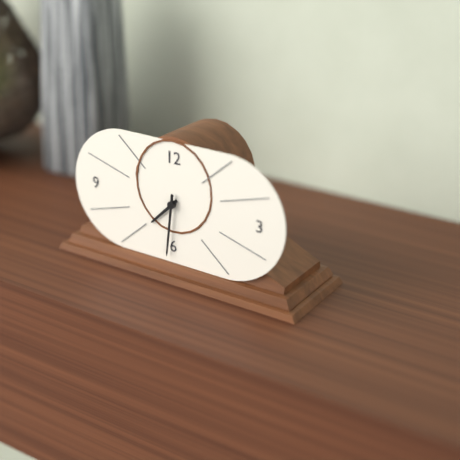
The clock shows h=7 m=31
